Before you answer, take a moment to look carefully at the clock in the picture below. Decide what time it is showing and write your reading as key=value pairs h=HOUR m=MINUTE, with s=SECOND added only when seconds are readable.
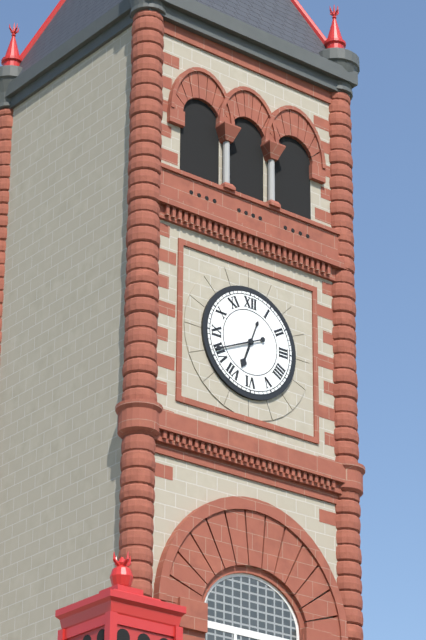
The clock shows h=6 m=41
